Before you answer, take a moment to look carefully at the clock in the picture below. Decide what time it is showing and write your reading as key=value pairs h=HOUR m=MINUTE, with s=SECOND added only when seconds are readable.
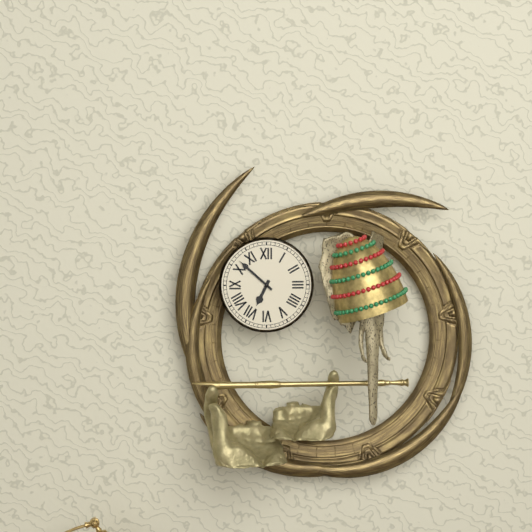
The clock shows h=6 m=52
